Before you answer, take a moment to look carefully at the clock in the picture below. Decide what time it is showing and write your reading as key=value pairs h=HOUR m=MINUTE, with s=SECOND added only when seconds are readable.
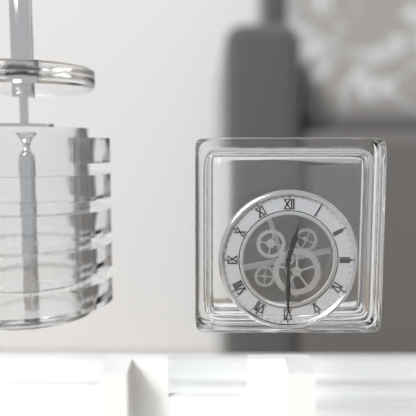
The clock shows h=12 m=30
